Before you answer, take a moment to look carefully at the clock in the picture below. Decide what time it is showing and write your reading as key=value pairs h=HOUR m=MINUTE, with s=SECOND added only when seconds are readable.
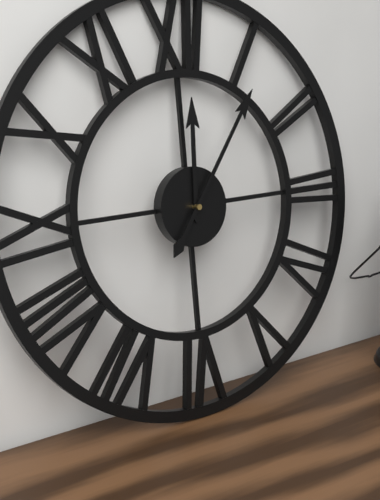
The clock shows h=12 m=6
